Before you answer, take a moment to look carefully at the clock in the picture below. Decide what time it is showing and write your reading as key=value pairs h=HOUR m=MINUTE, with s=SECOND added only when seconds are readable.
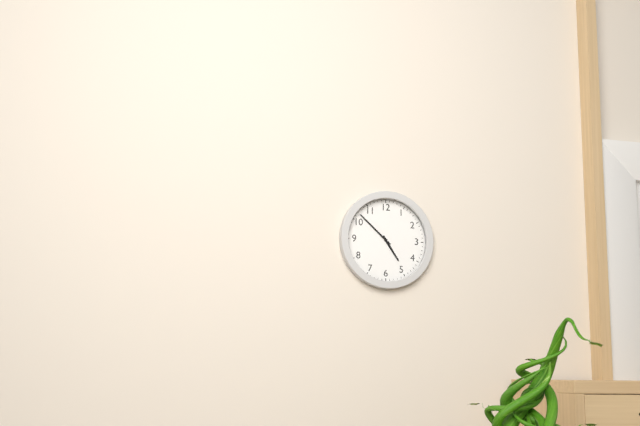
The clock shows h=4 m=52
